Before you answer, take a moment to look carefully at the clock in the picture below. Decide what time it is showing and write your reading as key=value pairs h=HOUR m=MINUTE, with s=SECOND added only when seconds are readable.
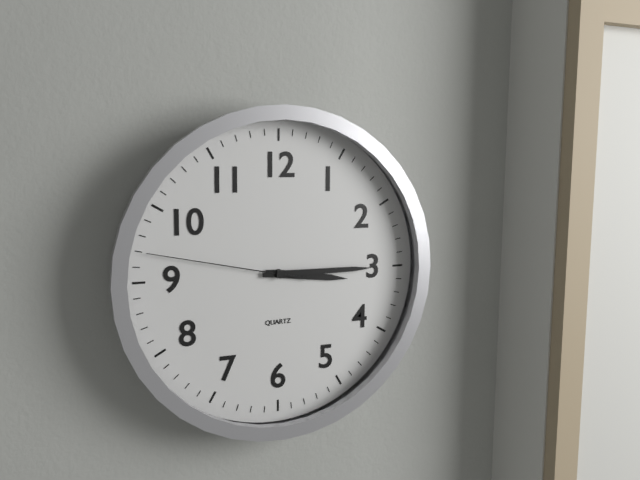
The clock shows h=3 m=15 s=47
